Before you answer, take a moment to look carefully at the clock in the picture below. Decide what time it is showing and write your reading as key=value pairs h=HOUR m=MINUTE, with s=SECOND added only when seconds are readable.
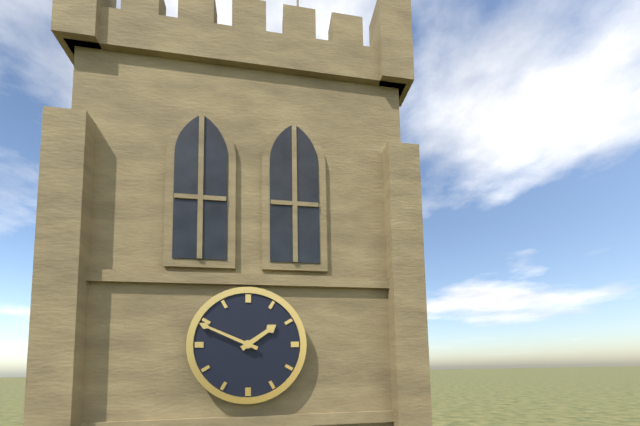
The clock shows h=1 m=49
